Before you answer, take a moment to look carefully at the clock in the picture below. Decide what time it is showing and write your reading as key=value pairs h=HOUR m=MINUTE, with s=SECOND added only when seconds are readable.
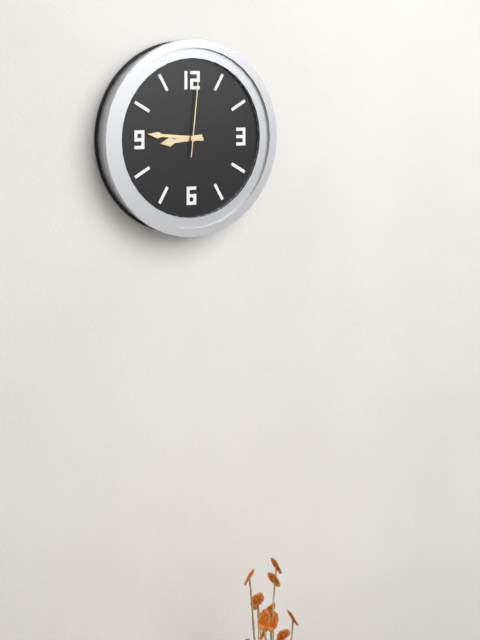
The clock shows h=8 m=46 s=1
